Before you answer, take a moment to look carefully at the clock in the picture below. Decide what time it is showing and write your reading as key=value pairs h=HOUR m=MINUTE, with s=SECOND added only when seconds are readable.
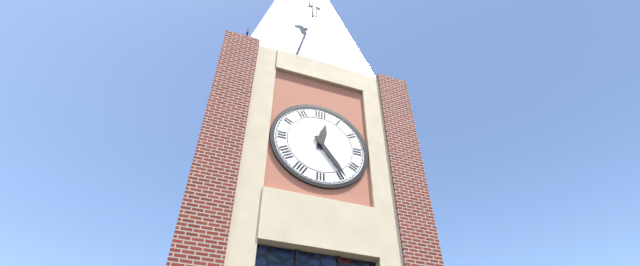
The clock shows h=12 m=24
